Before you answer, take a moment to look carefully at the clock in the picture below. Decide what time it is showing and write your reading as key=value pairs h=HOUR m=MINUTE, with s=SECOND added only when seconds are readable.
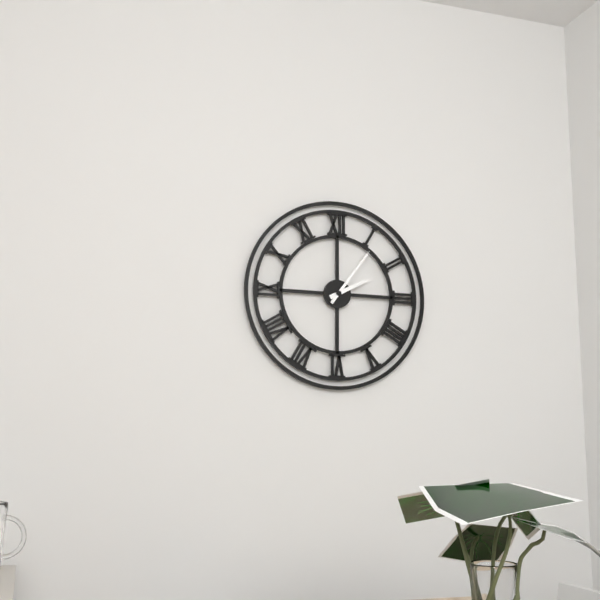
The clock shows h=2 m=6
